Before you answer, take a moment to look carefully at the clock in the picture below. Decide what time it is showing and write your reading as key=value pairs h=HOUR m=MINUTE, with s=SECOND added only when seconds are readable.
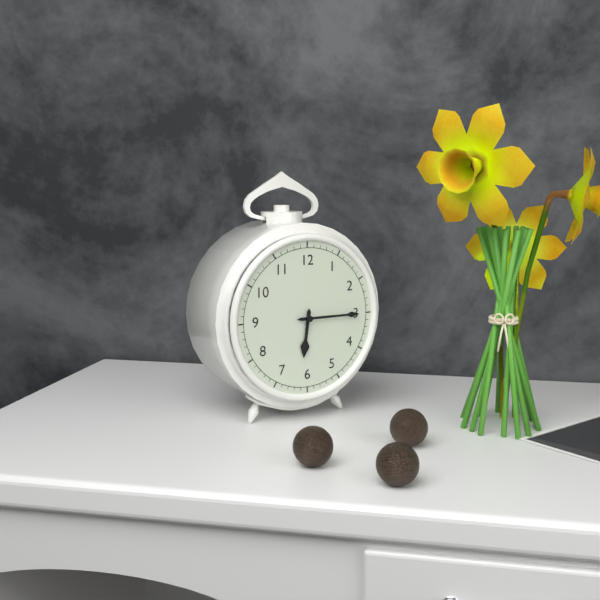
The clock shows h=6 m=15
